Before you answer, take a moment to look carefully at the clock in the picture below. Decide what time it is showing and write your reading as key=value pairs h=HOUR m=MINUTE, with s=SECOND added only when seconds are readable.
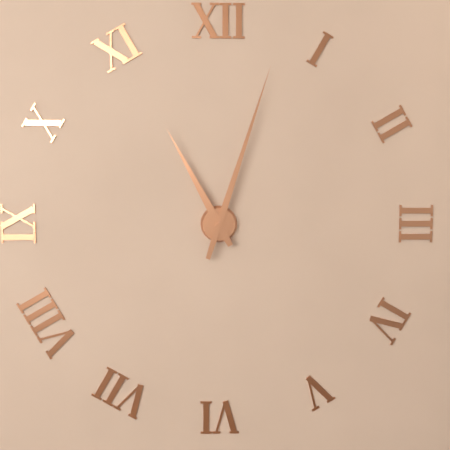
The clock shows h=11 m=3
